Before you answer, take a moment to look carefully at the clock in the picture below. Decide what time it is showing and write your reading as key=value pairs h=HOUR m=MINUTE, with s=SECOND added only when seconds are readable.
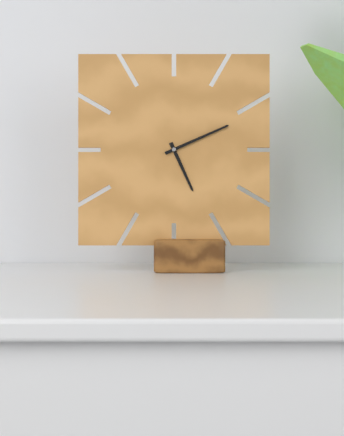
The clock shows h=5 m=11
